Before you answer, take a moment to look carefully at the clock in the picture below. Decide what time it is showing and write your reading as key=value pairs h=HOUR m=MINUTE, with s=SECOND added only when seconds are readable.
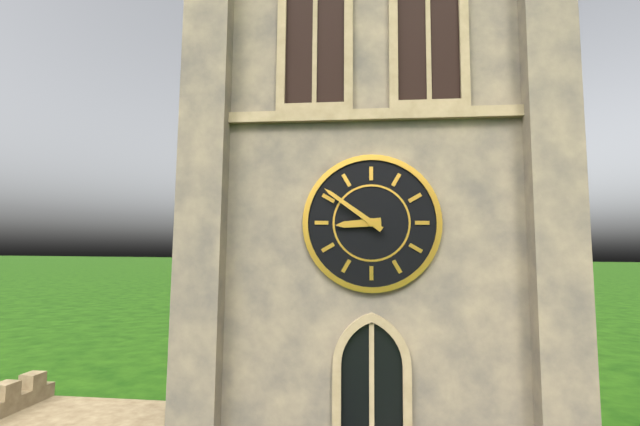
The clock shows h=8 m=51
